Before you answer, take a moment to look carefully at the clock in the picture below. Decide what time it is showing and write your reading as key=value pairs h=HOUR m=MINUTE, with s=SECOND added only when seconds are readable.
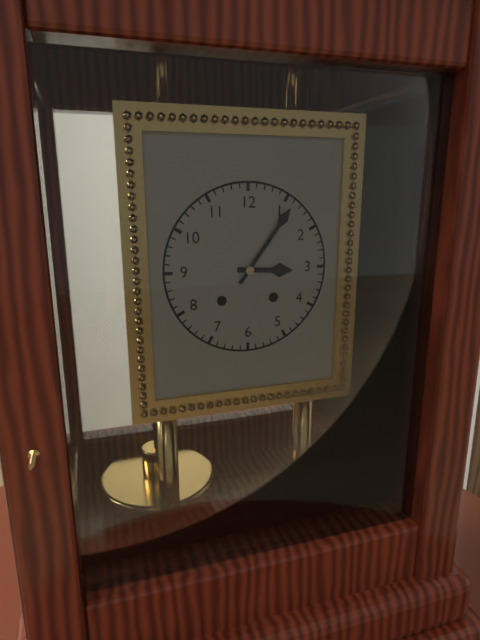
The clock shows h=3 m=6
